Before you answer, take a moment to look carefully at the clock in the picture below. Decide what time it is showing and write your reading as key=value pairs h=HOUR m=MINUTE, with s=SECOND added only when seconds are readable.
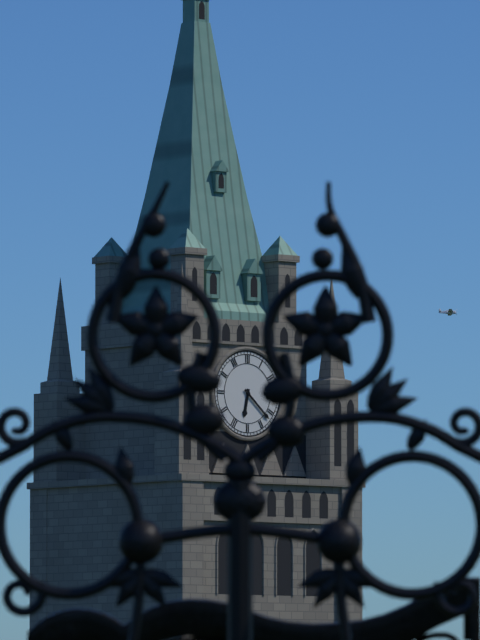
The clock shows h=6 m=22
